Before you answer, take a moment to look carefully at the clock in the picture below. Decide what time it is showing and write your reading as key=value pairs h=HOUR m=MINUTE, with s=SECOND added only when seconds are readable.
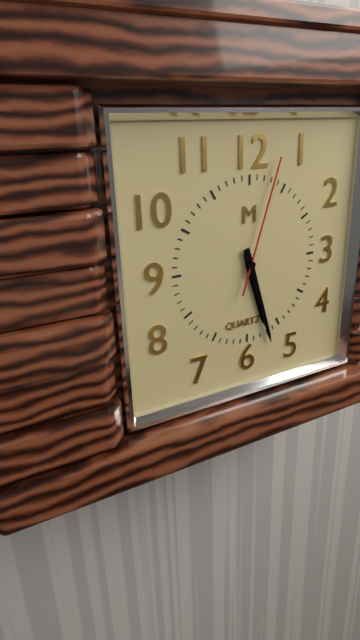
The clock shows h=5 m=27 s=3
